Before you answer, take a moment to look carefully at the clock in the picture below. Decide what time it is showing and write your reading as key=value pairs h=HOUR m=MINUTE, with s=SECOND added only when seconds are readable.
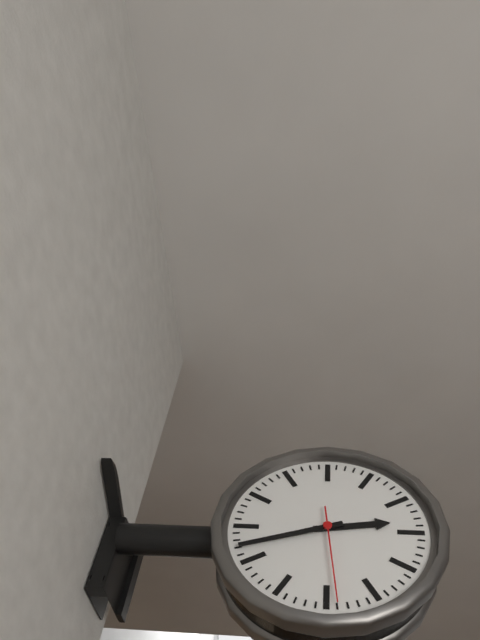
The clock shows h=2 m=42 s=29
